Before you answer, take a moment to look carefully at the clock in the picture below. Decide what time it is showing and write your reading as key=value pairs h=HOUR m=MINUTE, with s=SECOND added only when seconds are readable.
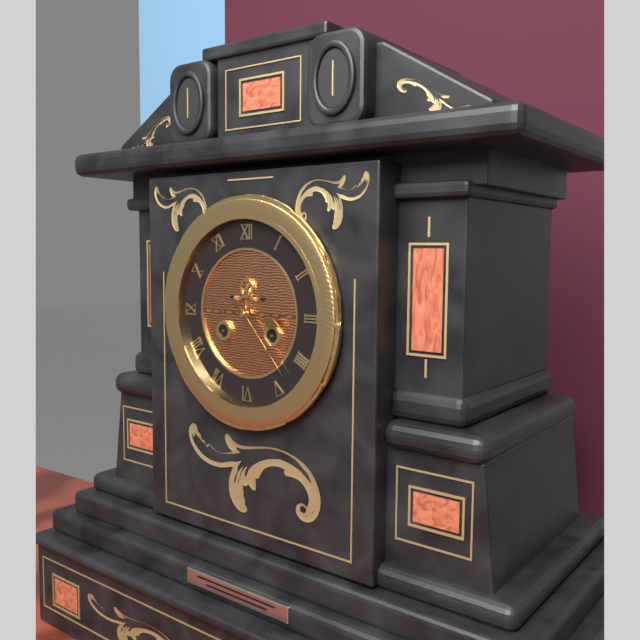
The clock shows h=3 m=23
